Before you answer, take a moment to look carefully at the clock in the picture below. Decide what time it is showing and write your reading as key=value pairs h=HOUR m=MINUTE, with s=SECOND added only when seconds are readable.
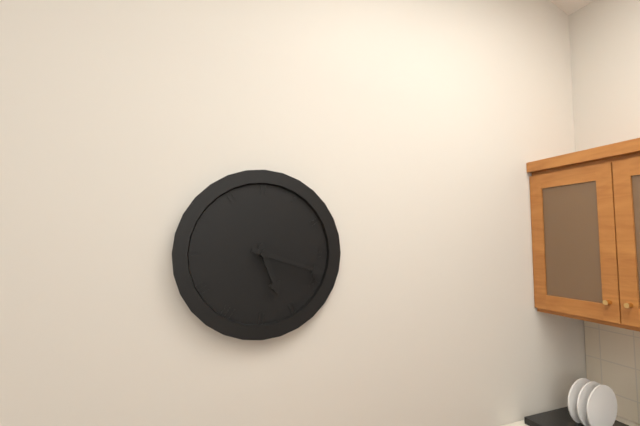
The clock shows h=5 m=18
